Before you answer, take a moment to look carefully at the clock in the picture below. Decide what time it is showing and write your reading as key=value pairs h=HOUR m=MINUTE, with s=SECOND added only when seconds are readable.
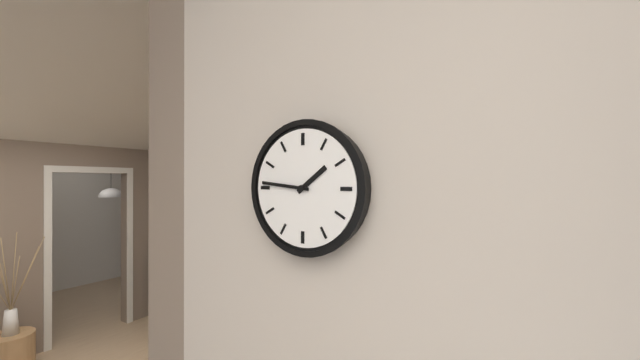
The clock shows h=1 m=46
